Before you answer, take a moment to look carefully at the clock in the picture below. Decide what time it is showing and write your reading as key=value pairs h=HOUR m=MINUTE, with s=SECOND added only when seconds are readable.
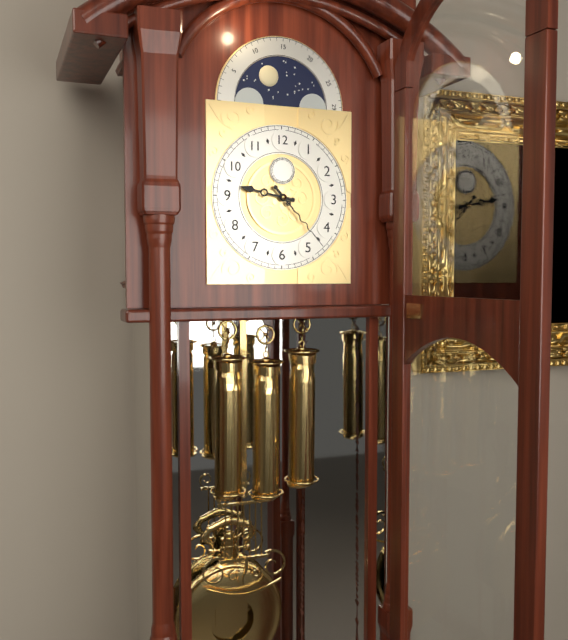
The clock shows h=9 m=23
